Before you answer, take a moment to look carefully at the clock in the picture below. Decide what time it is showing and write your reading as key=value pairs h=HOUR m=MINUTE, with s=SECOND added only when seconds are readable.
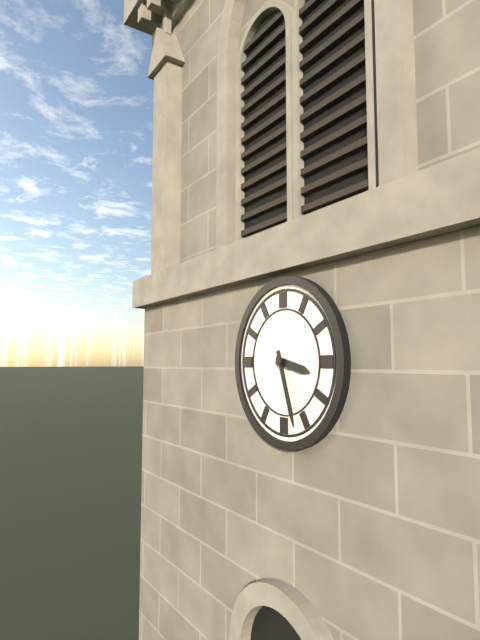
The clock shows h=3 m=27
